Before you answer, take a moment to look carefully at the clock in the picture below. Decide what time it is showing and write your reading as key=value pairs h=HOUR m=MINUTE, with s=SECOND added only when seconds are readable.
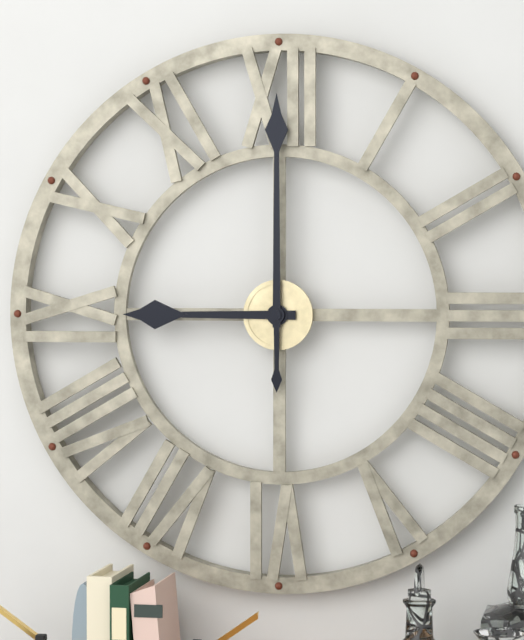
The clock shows h=9 m=0
